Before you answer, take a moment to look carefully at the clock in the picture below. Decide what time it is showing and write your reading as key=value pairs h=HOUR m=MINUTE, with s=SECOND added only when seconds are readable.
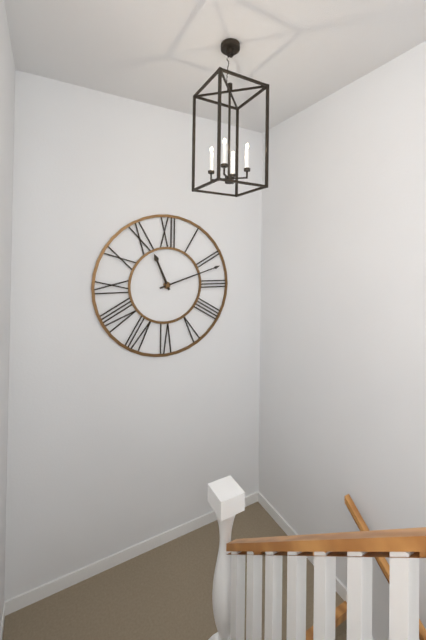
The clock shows h=11 m=12
